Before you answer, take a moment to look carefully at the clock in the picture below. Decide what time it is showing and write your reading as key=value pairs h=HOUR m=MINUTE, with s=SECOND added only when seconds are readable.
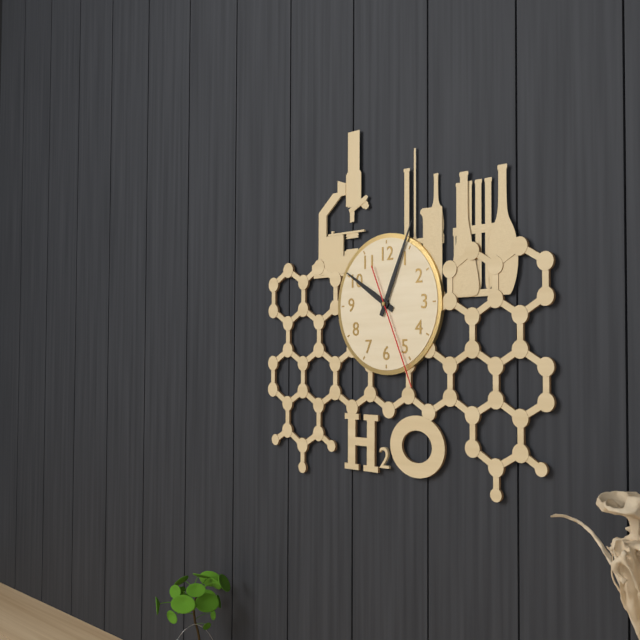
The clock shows h=10 m=4 s=26
